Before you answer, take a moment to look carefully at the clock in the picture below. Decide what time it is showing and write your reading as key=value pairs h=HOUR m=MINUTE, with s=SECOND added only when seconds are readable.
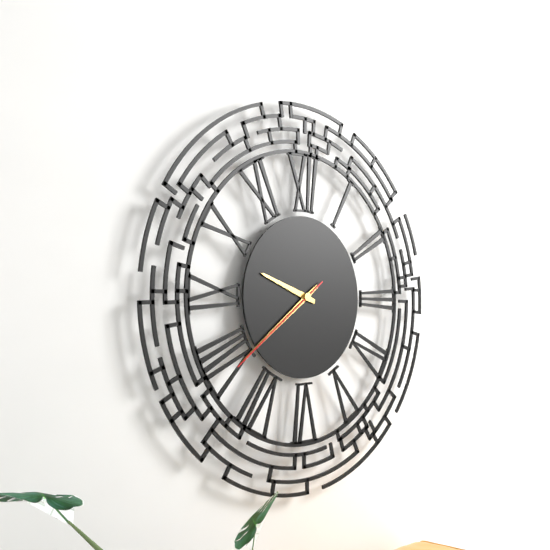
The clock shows h=9 m=39 s=39
